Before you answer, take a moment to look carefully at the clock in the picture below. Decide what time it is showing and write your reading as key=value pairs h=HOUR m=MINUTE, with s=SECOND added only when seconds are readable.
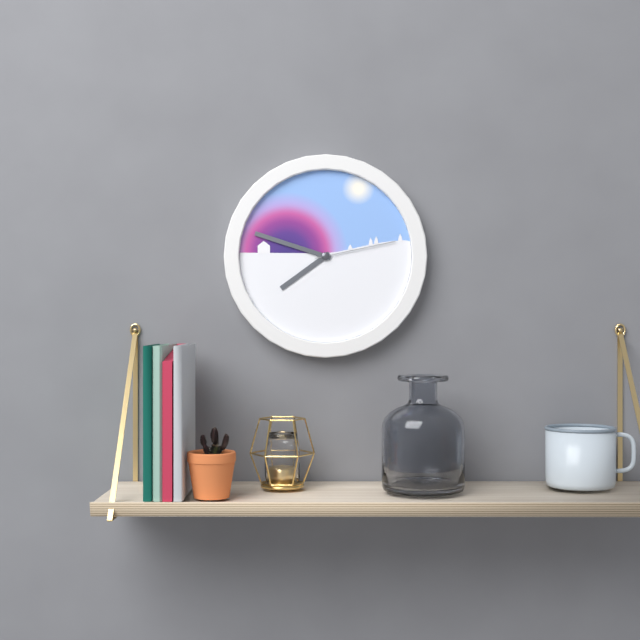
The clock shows h=7 m=48 s=13
